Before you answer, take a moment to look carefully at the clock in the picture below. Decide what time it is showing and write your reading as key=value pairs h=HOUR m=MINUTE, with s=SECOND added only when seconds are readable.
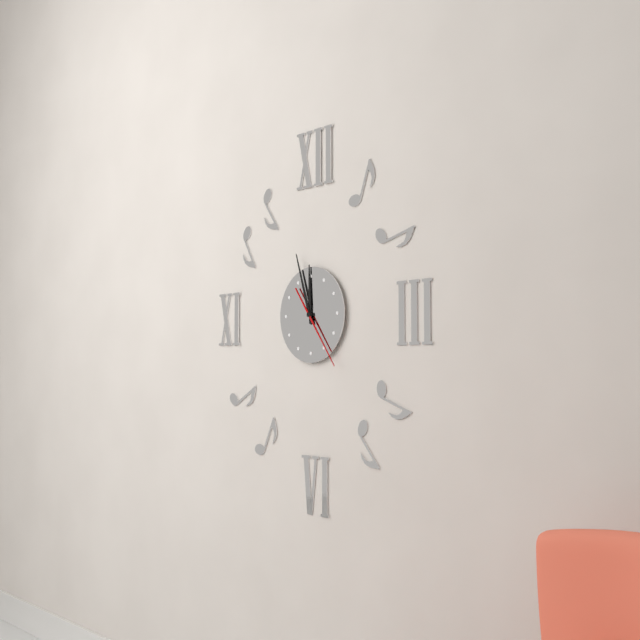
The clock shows h=11 m=57 s=24
